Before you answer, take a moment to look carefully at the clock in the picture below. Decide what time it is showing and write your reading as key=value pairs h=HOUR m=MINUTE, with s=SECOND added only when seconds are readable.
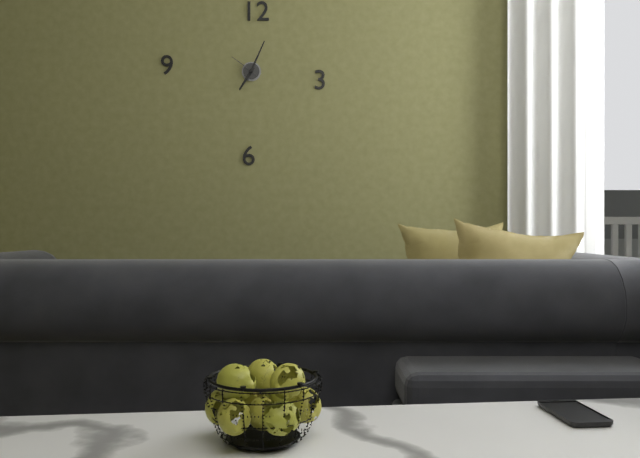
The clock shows h=7 m=4
